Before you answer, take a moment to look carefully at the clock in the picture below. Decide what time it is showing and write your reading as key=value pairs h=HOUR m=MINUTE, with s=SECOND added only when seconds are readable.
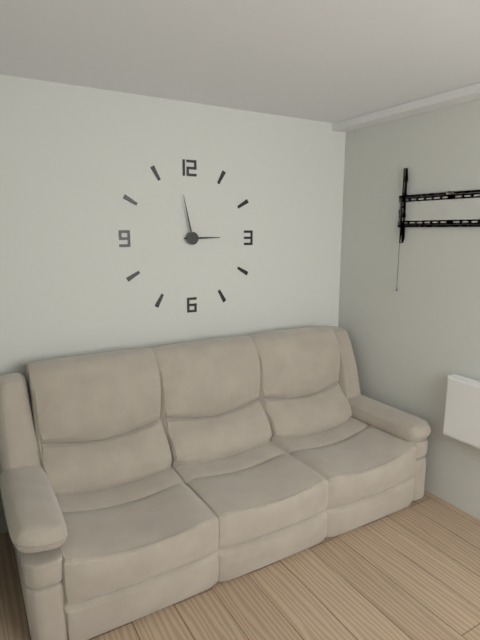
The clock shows h=2 m=58
